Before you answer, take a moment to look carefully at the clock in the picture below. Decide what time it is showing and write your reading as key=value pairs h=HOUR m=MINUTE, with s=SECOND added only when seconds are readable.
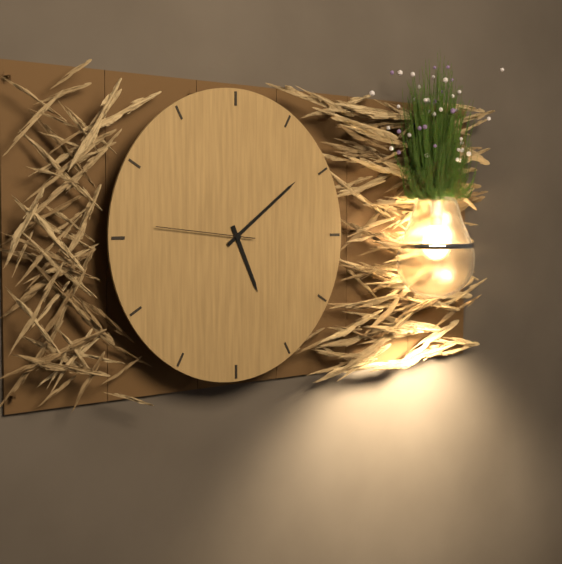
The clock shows h=5 m=9 s=46
